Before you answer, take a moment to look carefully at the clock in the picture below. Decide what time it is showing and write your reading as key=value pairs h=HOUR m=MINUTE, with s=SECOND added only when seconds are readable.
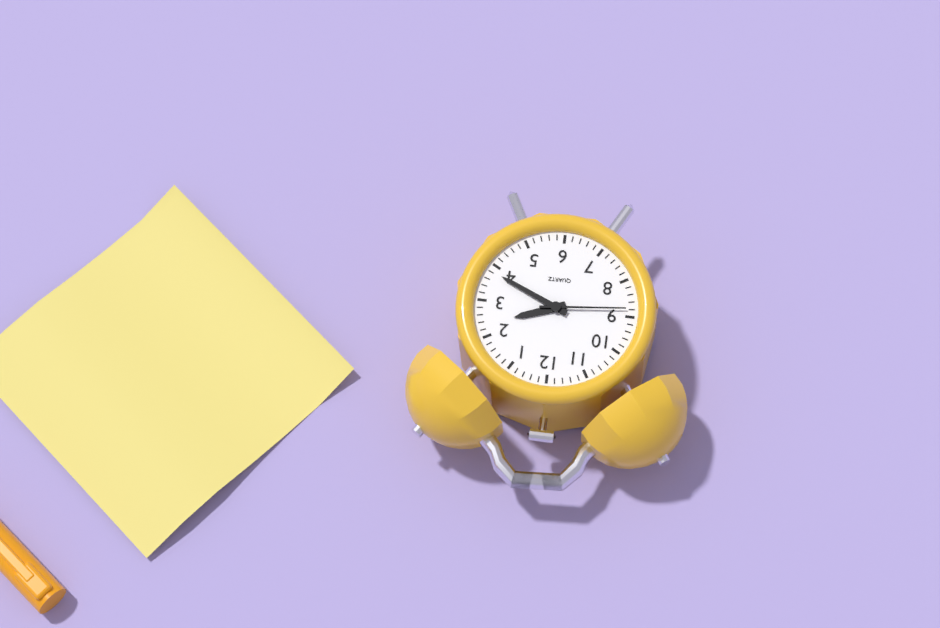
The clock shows h=2 m=19 s=44
